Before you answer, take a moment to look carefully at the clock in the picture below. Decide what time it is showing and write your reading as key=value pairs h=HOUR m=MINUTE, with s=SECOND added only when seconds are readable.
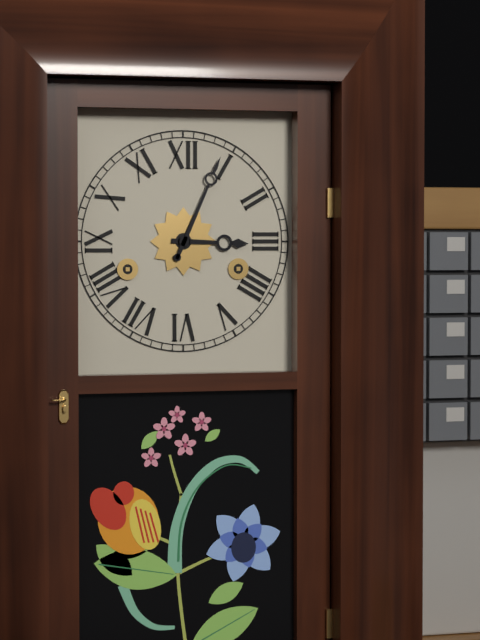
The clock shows h=3 m=4
